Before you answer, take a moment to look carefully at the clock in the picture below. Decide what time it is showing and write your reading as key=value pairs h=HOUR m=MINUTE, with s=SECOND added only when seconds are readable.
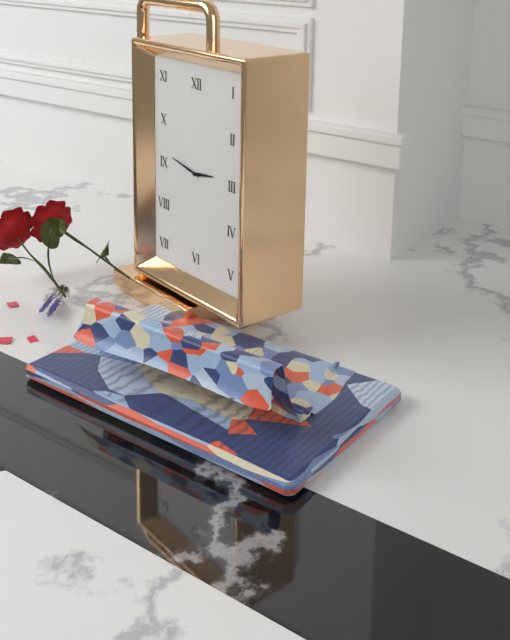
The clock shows h=2 m=47
